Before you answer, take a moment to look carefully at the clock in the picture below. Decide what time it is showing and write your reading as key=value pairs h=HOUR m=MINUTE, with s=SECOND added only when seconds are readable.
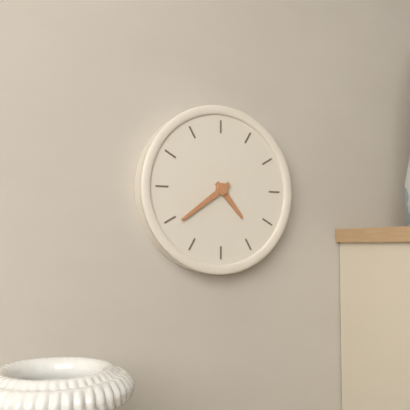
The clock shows h=4 m=39
